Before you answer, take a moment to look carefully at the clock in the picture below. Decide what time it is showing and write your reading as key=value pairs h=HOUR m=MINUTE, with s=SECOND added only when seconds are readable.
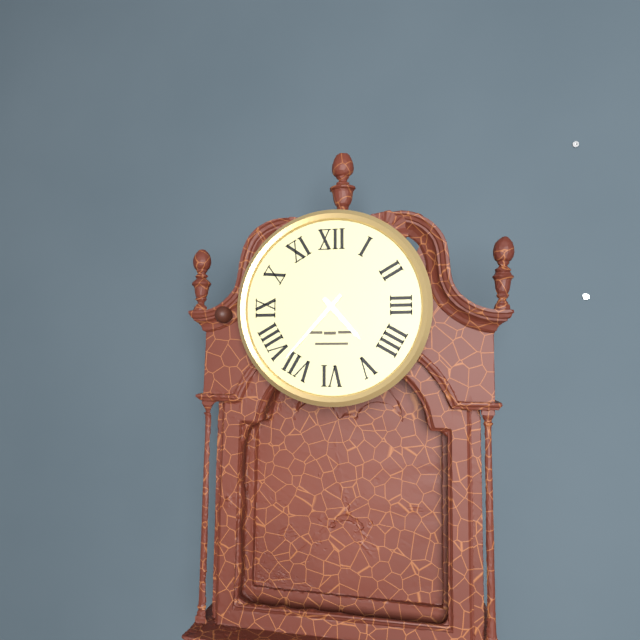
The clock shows h=4 m=37
